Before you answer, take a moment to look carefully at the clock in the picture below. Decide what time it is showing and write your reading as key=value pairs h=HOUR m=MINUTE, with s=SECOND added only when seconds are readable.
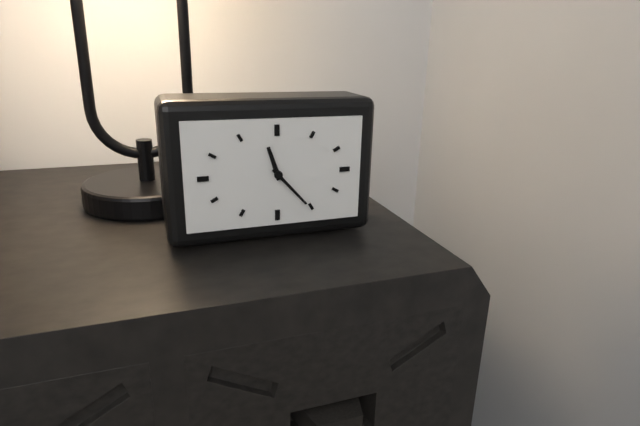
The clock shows h=11 m=23
